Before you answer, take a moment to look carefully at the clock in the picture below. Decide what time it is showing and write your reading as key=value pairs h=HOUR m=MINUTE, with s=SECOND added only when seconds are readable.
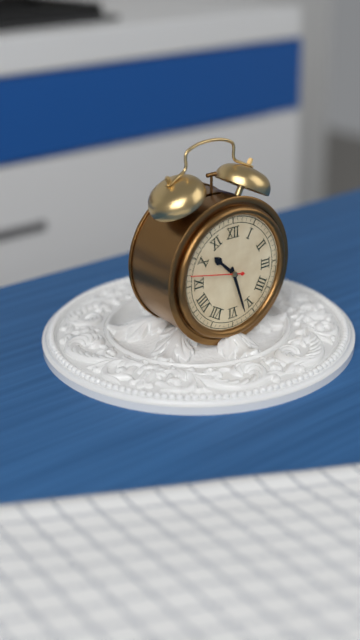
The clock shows h=10 m=27 s=47
